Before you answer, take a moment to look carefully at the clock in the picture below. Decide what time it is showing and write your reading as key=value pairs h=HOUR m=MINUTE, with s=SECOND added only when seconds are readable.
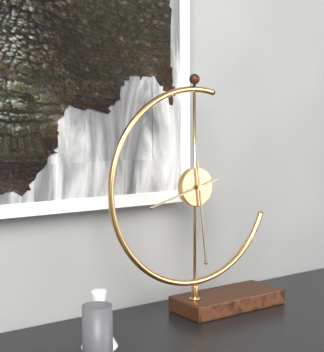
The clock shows h=8 m=29
